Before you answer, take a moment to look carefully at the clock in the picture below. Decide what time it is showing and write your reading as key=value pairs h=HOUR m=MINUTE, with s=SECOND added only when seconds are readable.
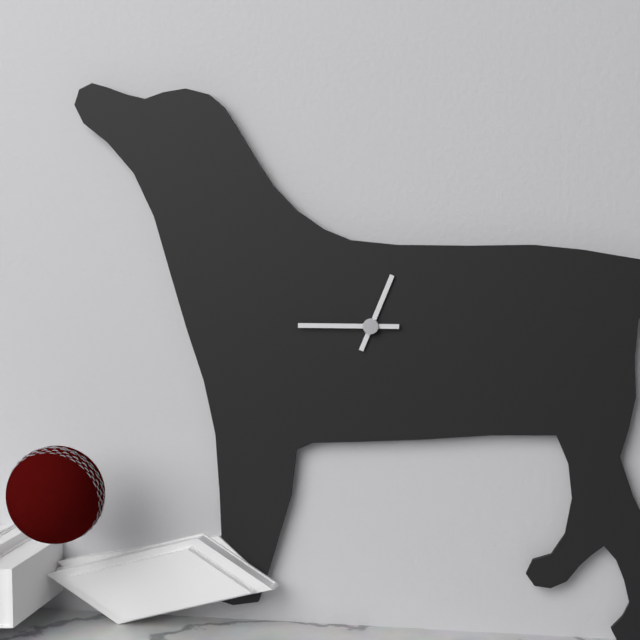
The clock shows h=12 m=45
